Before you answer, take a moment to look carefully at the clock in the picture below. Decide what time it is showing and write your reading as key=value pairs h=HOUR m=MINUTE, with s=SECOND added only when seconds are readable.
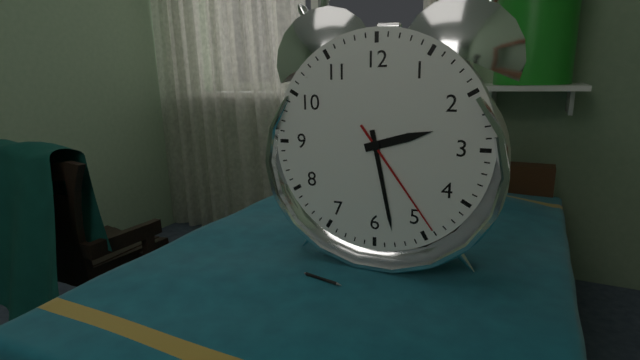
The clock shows h=2 m=28 s=24
